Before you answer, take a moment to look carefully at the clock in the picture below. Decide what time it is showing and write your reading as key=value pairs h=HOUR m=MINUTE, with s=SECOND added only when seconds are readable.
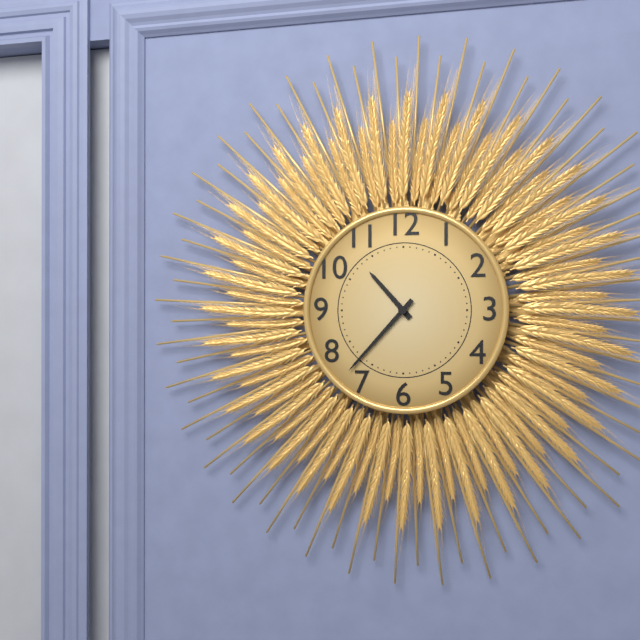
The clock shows h=10 m=37
